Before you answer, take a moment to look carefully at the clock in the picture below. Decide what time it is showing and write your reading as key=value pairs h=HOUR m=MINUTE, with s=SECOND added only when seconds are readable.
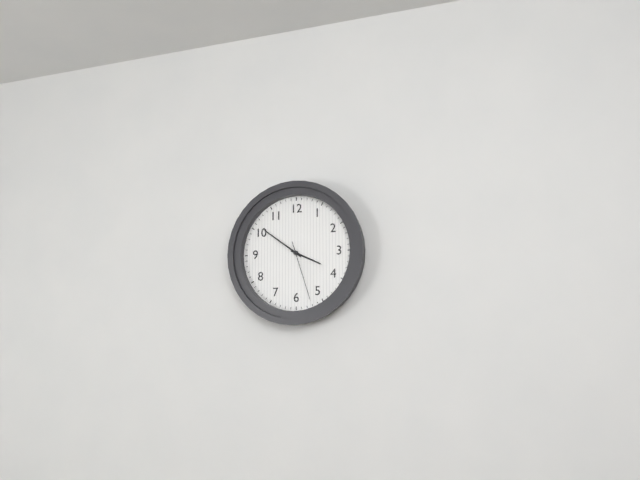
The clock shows h=3 m=51 s=27
